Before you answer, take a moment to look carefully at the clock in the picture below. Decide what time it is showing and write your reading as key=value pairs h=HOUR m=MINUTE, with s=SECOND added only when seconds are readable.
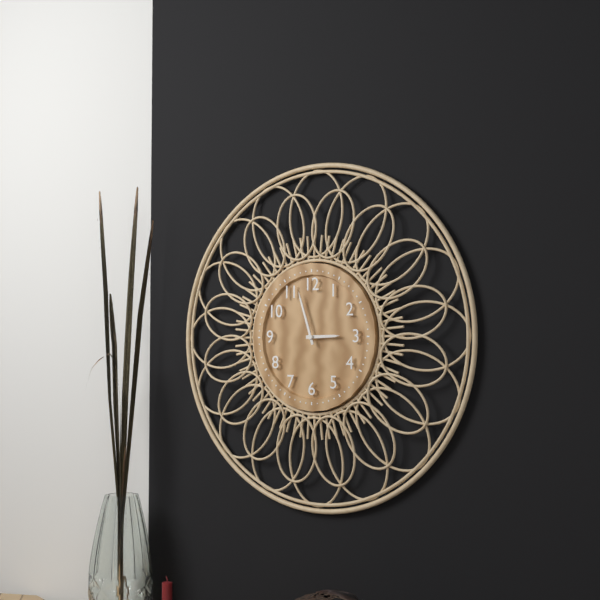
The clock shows h=2 m=57
